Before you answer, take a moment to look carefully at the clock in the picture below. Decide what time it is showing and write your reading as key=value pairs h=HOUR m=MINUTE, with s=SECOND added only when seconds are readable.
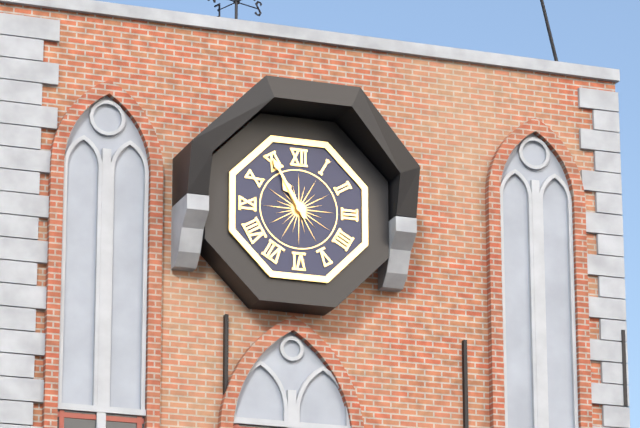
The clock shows h=10 m=55
